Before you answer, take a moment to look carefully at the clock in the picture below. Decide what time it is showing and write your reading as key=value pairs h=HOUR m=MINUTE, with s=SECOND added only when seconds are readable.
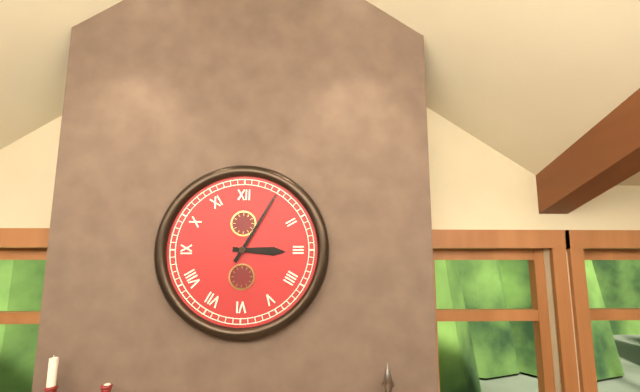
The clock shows h=3 m=5
